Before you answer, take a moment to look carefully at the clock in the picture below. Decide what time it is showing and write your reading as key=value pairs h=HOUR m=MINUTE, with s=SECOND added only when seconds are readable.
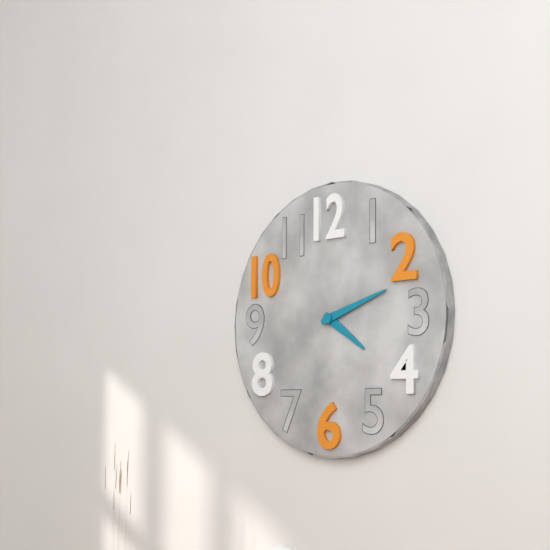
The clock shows h=4 m=12
